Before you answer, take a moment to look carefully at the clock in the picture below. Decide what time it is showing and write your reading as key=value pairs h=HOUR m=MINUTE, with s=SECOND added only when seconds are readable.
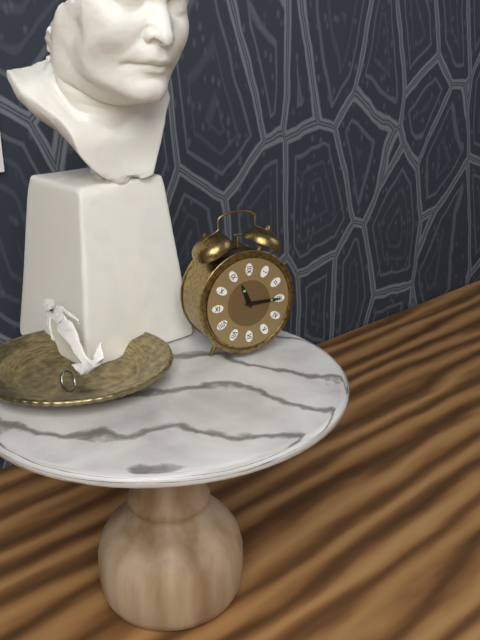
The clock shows h=11 m=15
